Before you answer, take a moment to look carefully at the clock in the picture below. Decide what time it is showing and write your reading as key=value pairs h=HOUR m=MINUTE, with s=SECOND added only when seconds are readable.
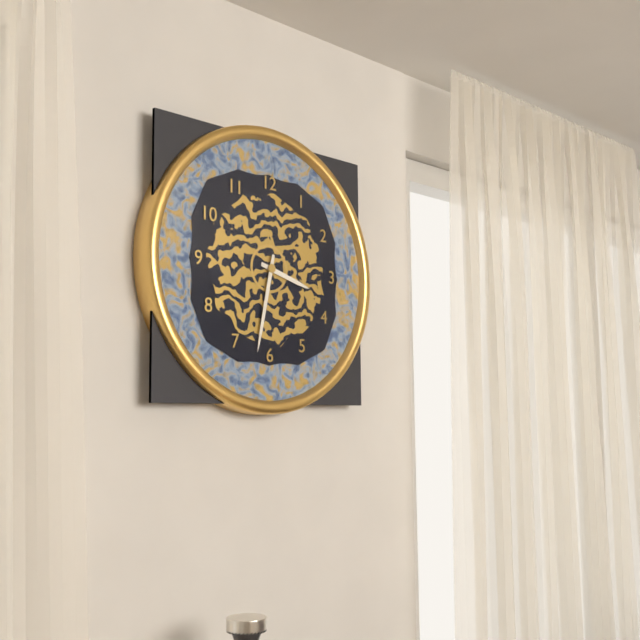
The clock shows h=3 m=32
